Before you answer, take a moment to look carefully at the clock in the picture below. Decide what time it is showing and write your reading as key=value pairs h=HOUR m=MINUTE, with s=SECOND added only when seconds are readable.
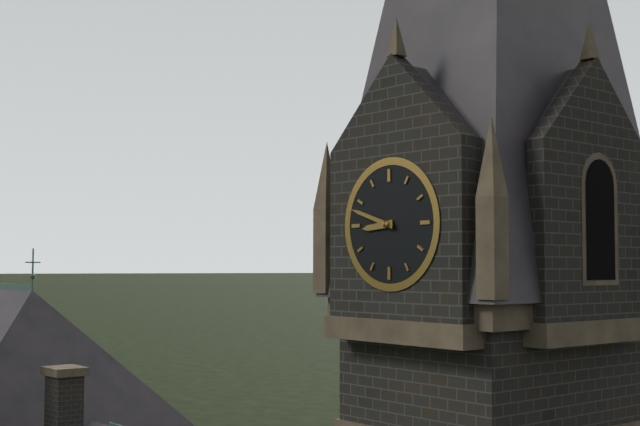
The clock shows h=8 m=48
